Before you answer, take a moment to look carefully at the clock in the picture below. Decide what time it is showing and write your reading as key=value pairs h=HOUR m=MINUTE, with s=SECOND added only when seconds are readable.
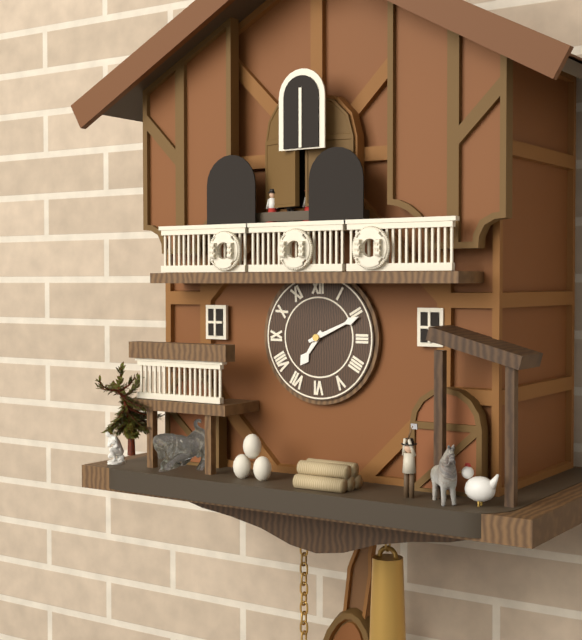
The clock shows h=7 m=11
